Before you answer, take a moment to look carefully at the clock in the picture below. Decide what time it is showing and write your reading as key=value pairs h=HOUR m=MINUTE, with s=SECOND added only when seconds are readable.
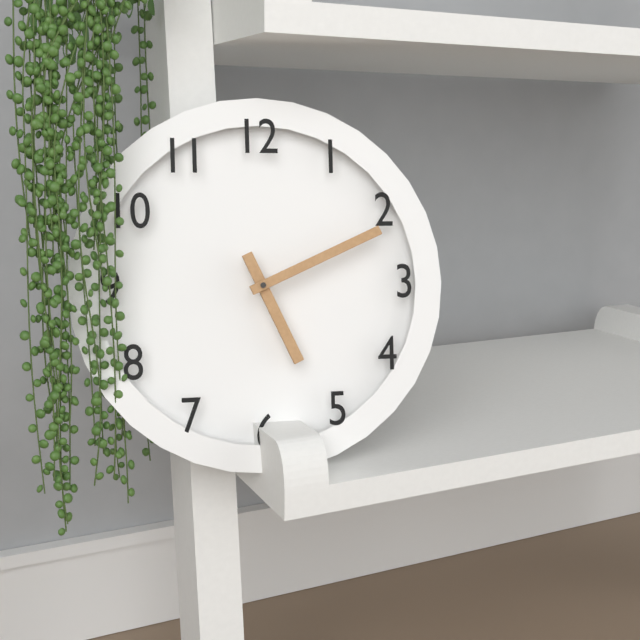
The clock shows h=5 m=11
